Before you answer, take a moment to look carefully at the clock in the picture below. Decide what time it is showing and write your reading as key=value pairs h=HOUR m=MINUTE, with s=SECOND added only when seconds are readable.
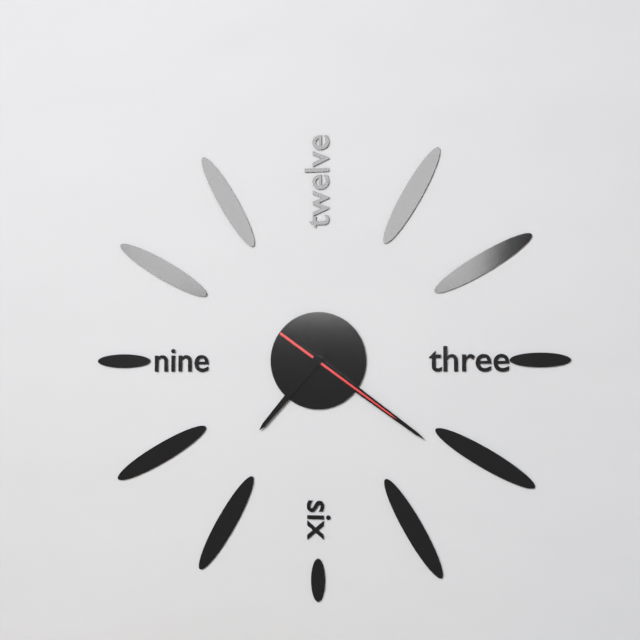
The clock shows h=7 m=21 s=21
